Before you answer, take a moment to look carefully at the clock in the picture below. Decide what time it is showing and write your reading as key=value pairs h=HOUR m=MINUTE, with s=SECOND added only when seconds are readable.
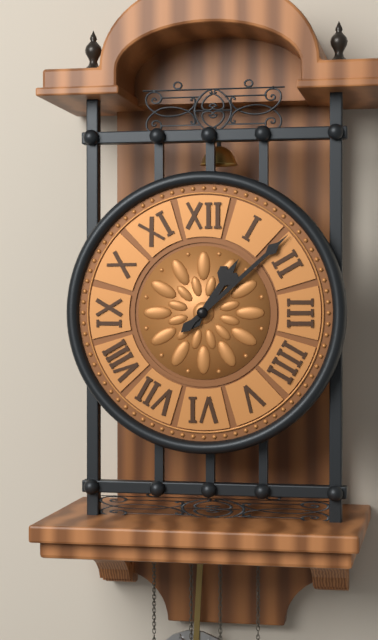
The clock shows h=1 m=8
